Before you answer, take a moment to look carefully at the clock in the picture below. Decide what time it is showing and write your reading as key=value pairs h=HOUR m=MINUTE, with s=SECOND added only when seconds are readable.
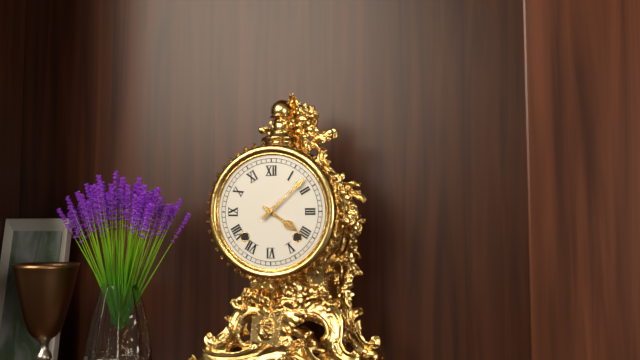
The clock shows h=4 m=8
